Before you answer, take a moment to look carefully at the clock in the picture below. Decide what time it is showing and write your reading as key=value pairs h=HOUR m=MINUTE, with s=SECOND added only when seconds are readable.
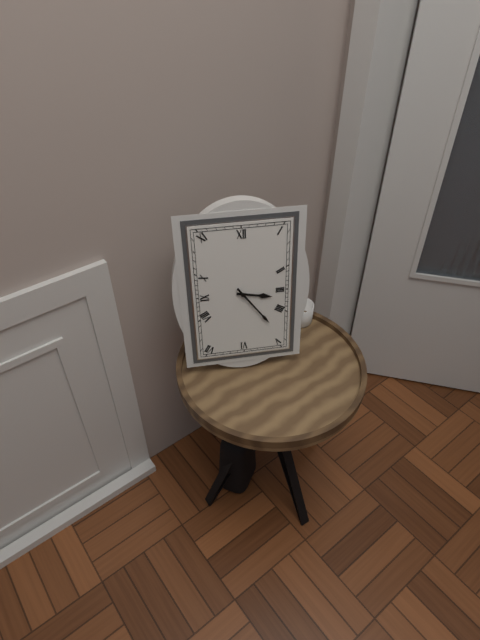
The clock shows h=3 m=24
